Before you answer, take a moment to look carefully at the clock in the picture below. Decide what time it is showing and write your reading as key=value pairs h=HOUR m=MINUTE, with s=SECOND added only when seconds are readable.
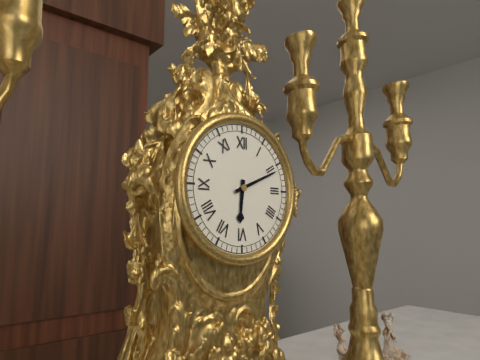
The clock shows h=6 m=11
